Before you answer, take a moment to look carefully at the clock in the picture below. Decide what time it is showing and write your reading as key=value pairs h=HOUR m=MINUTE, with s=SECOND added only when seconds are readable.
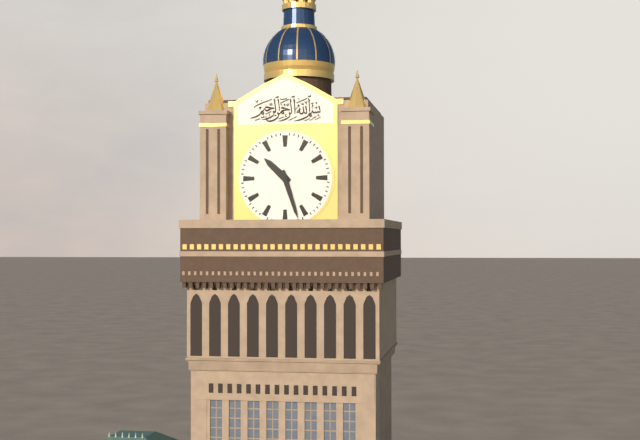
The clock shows h=10 m=27
